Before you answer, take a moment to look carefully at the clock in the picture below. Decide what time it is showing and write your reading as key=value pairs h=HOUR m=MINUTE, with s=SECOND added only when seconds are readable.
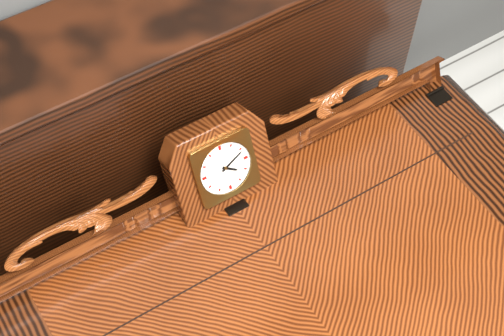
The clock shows h=4 m=11
